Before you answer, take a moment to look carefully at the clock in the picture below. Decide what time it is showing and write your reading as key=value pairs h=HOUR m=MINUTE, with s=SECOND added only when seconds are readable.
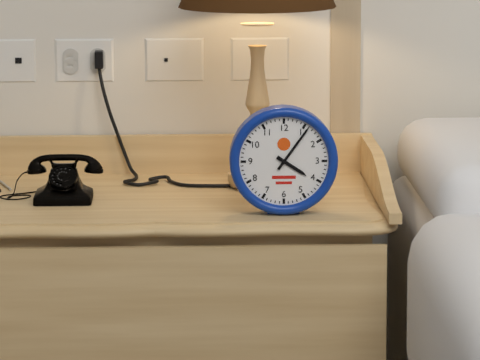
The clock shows h=4 m=6
